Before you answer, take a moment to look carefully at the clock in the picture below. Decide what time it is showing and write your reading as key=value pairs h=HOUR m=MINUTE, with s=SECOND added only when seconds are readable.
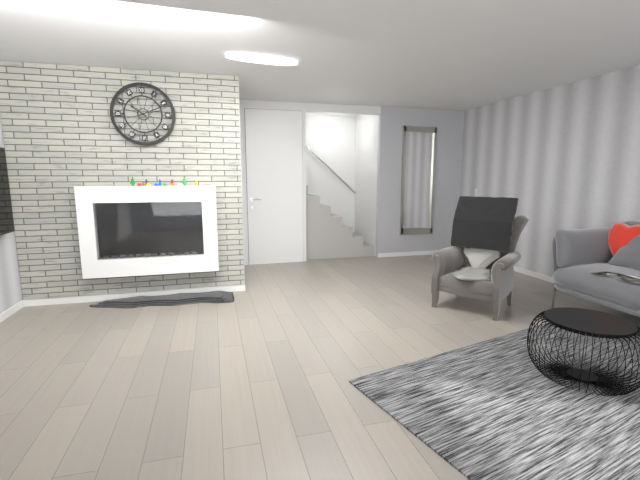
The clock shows h=10 m=11
